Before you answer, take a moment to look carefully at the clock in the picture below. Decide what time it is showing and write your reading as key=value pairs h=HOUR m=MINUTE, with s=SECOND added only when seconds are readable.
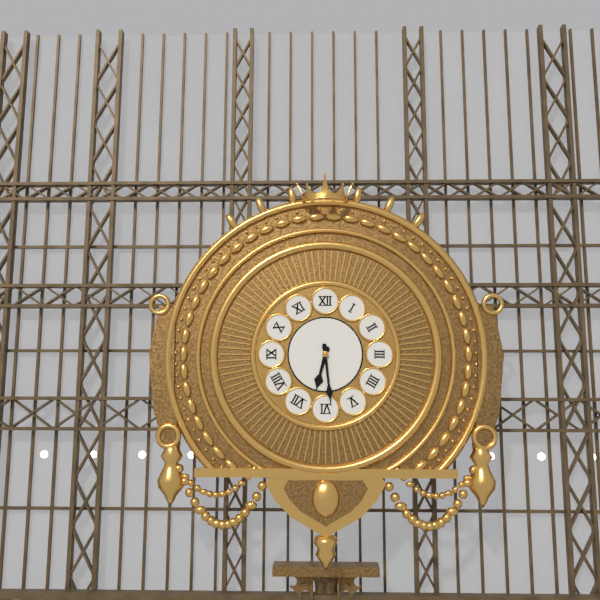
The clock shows h=6 m=29
